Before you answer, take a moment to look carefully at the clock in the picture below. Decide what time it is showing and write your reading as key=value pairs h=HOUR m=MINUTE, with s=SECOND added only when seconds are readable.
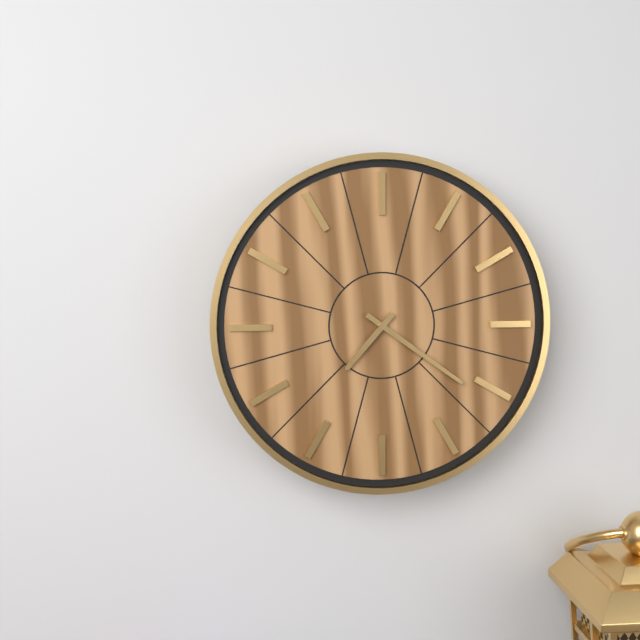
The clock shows h=7 m=21
